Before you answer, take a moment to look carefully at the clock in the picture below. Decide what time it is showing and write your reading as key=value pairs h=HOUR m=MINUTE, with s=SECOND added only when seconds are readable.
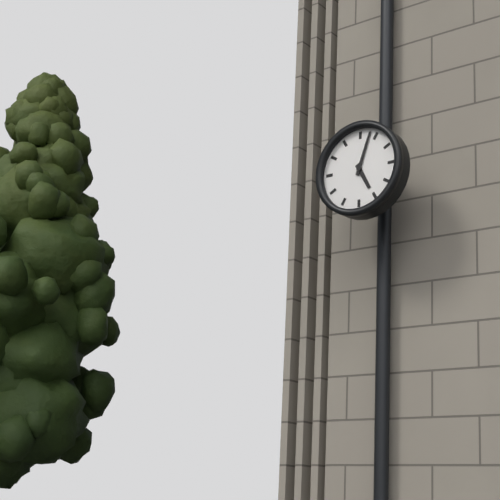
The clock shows h=5 m=3
